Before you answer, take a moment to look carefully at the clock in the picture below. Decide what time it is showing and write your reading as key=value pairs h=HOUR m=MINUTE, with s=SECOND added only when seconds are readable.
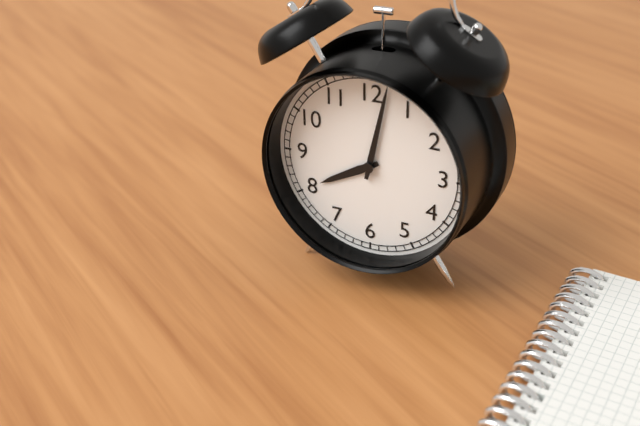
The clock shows h=8 m=2
